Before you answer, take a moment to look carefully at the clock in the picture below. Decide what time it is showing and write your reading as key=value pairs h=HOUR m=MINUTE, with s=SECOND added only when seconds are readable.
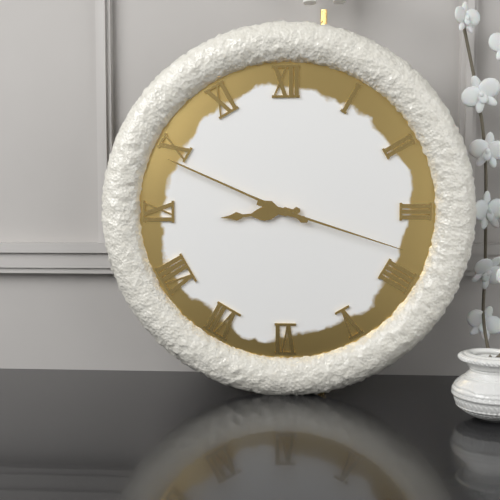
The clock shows h=8 m=49 s=18
